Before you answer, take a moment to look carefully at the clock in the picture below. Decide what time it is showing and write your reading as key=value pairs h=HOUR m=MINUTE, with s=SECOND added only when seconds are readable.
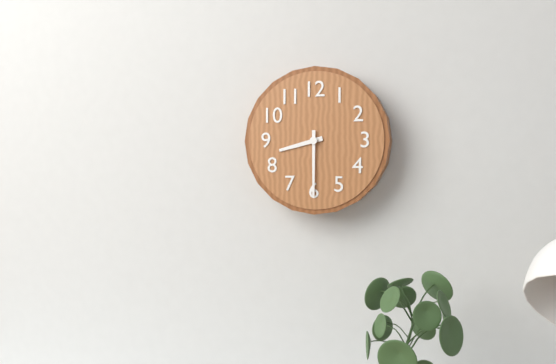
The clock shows h=8 m=30
